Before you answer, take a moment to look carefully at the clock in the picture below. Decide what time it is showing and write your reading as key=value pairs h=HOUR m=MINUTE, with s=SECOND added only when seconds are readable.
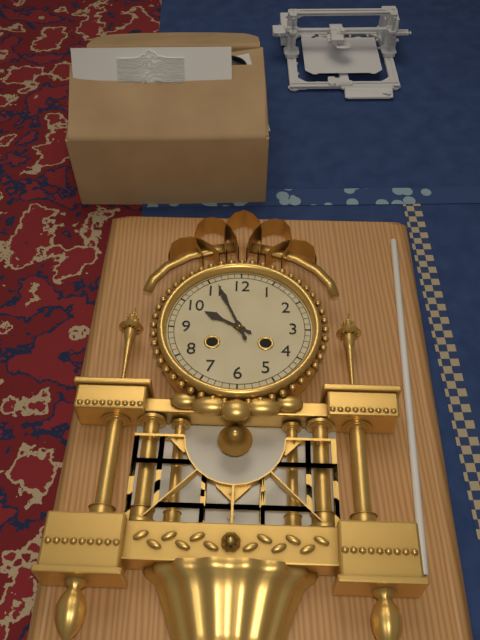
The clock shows h=9 m=56
